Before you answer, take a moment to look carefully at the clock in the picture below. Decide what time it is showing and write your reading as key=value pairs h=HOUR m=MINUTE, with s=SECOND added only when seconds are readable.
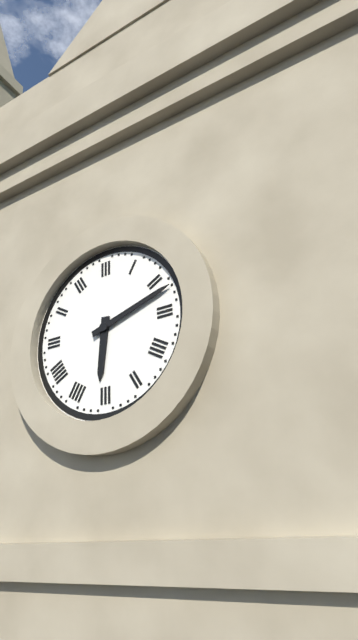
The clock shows h=6 m=12
